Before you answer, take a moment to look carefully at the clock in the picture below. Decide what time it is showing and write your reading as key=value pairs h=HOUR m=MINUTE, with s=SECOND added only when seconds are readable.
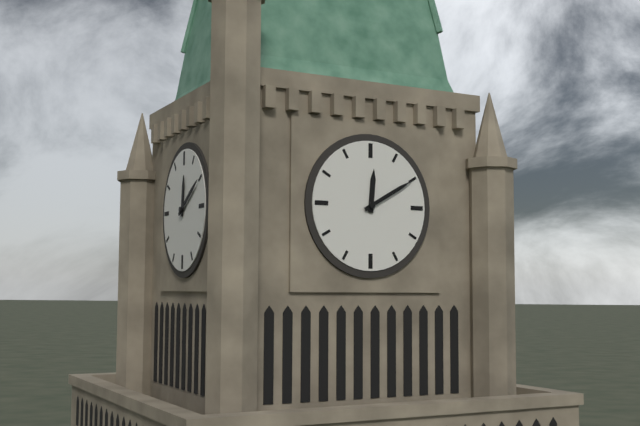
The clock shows h=12 m=10
